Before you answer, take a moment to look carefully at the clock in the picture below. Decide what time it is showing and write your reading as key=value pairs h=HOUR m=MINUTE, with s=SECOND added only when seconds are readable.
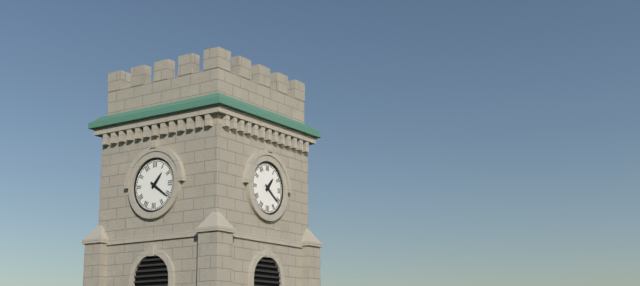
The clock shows h=1 m=21
